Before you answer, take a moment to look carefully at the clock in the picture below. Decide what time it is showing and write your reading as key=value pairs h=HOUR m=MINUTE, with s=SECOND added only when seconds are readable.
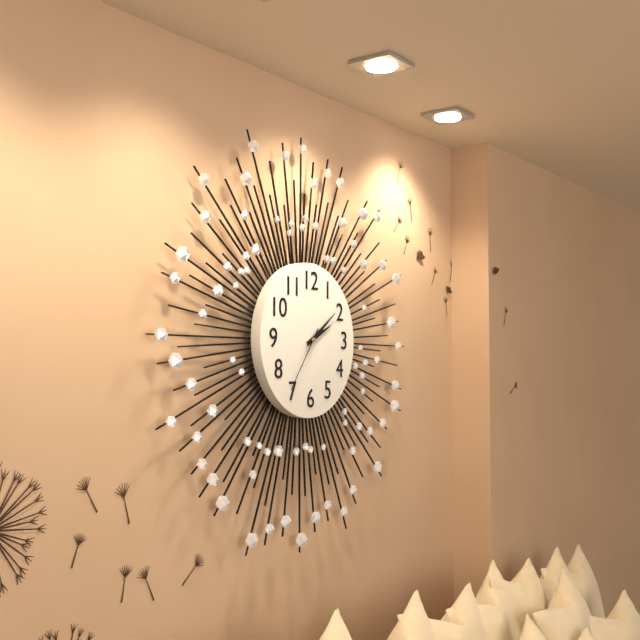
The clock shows h=2 m=9 s=36
